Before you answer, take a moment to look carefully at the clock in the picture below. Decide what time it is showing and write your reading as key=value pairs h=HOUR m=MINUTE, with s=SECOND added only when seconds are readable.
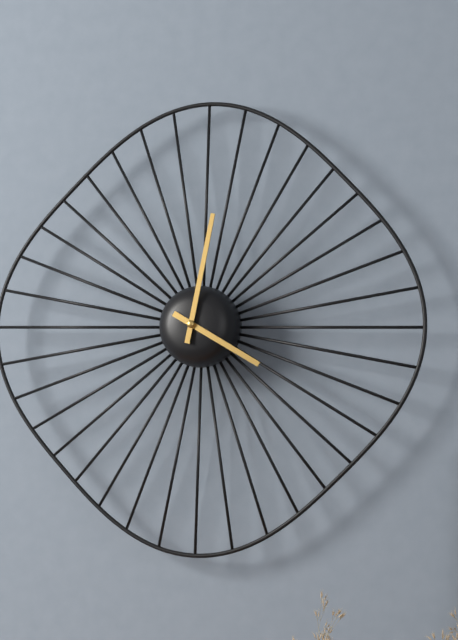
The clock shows h=4 m=2
